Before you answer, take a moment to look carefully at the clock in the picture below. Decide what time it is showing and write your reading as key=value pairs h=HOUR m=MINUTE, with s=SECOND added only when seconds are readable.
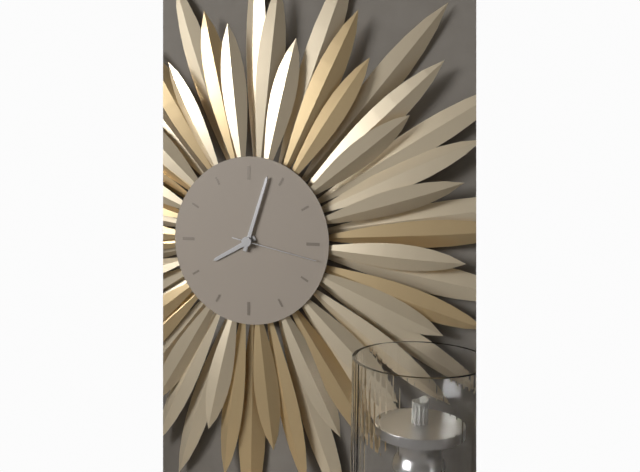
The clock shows h=8 m=3 s=17
